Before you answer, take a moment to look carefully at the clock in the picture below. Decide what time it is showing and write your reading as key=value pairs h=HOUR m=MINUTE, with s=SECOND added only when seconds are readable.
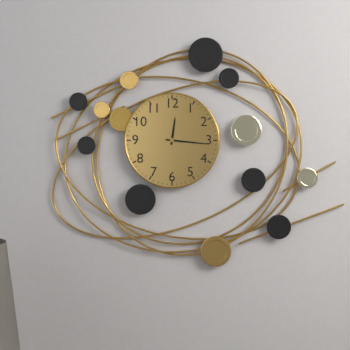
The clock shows h=12 m=16
